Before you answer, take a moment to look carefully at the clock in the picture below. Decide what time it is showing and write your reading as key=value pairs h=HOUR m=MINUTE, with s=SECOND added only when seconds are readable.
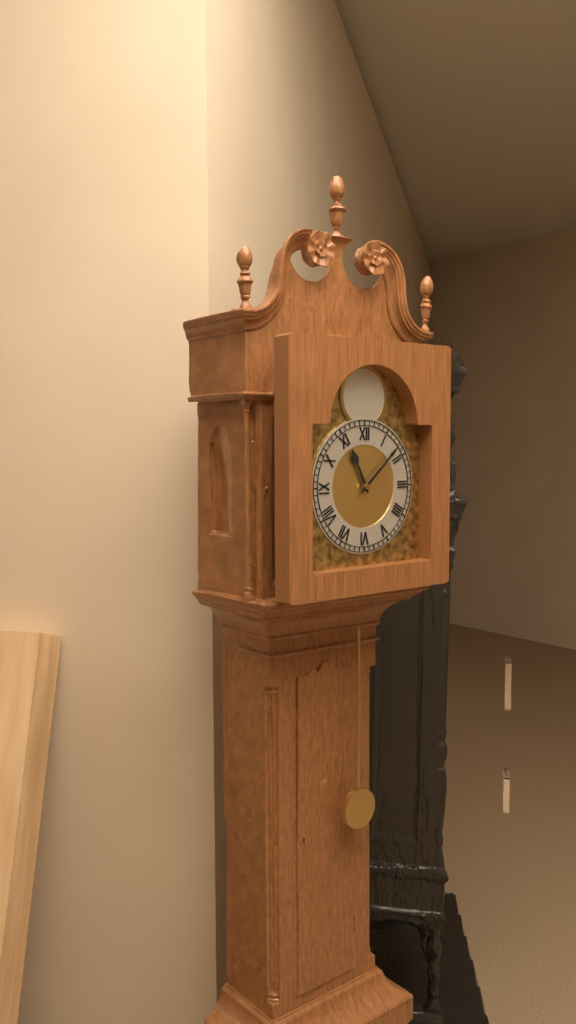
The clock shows h=11 m=8
